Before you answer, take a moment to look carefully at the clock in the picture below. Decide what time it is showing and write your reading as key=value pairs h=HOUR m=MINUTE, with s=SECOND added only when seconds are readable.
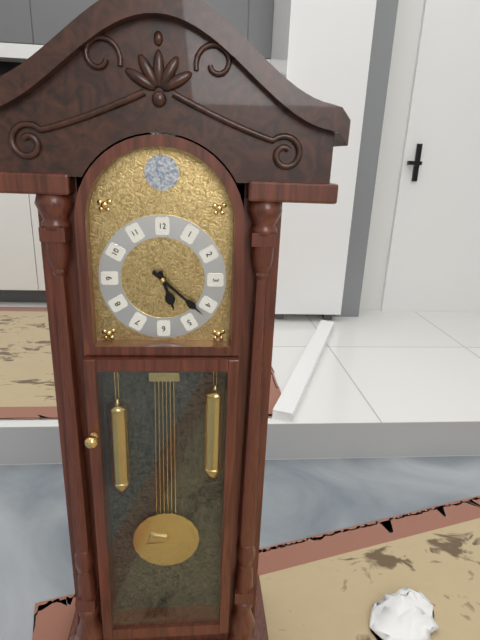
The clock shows h=5 m=22
